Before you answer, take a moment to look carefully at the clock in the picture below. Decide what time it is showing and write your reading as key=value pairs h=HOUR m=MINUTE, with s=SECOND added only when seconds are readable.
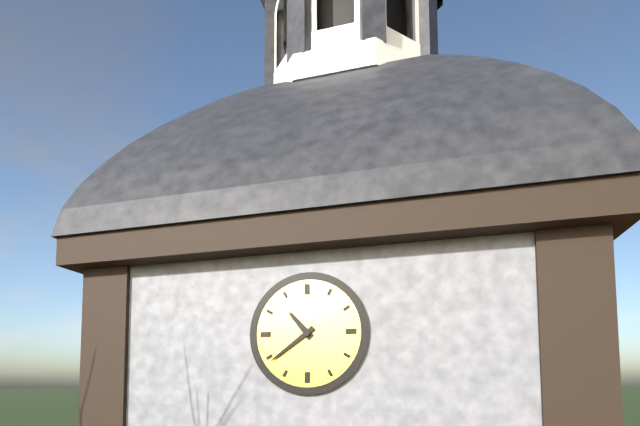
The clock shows h=10 m=39
